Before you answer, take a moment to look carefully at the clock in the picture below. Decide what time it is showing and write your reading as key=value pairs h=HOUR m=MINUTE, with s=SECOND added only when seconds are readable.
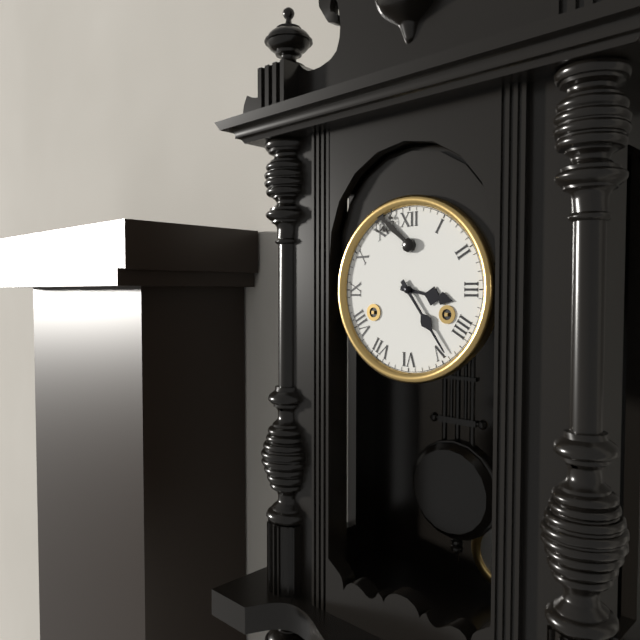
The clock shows h=3 m=24
